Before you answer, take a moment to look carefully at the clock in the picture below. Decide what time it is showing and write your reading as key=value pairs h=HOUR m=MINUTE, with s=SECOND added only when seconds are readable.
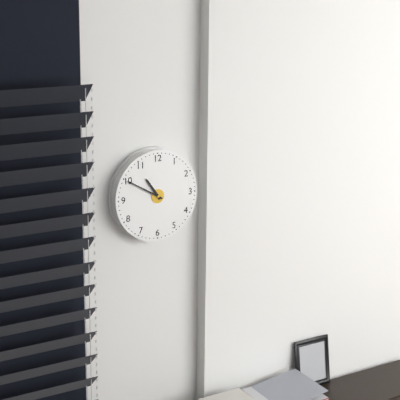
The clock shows h=10 m=50
